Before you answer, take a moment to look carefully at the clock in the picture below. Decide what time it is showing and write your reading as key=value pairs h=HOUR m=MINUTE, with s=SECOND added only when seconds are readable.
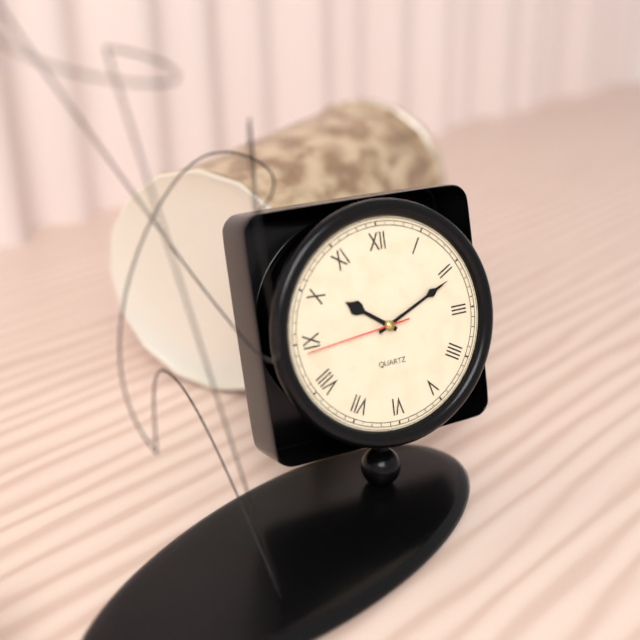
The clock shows h=10 m=11 s=44
